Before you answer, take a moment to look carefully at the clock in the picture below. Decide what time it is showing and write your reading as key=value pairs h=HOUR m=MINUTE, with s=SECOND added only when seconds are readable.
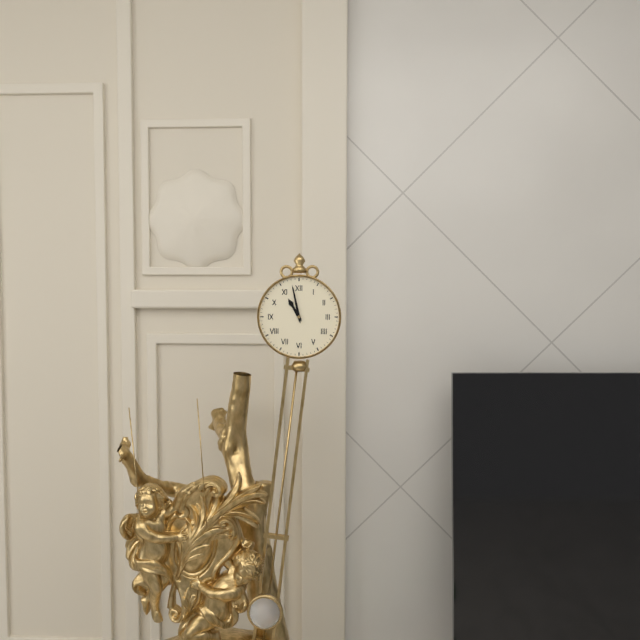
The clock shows h=10 m=58
